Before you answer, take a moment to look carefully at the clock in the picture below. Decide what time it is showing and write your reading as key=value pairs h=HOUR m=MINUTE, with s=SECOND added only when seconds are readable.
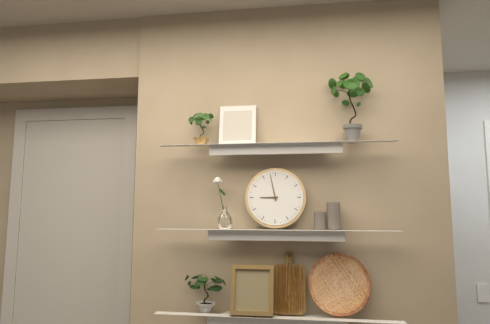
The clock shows h=8 m=58
